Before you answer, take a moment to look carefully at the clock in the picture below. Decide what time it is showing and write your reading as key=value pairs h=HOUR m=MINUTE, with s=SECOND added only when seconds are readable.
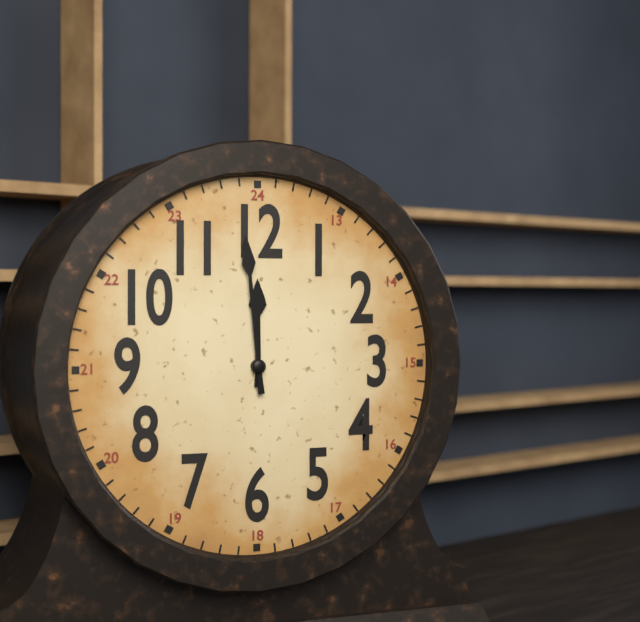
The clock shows h=11 m=59
